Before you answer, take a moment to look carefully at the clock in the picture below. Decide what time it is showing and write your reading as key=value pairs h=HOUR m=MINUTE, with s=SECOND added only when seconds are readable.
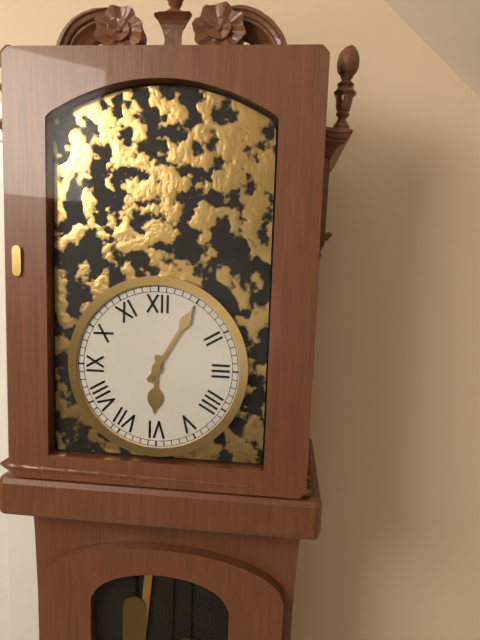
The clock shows h=6 m=5
